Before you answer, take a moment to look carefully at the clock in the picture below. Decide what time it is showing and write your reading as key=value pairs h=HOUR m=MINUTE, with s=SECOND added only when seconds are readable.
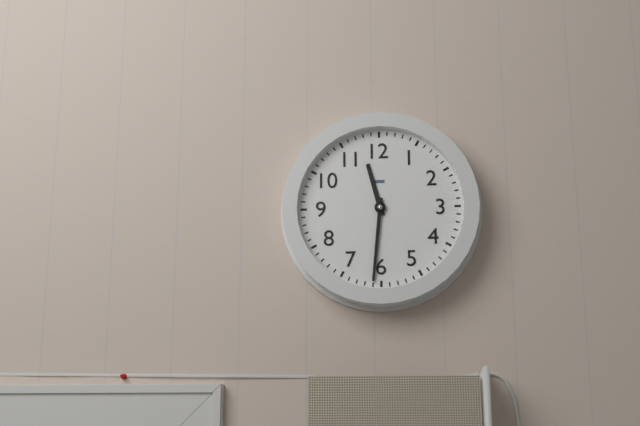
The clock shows h=11 m=31
